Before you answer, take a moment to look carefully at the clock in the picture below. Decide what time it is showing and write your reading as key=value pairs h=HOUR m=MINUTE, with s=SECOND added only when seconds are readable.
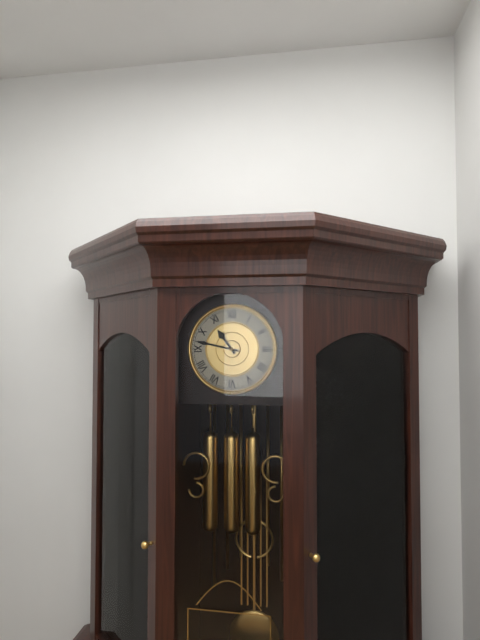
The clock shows h=10 m=47
